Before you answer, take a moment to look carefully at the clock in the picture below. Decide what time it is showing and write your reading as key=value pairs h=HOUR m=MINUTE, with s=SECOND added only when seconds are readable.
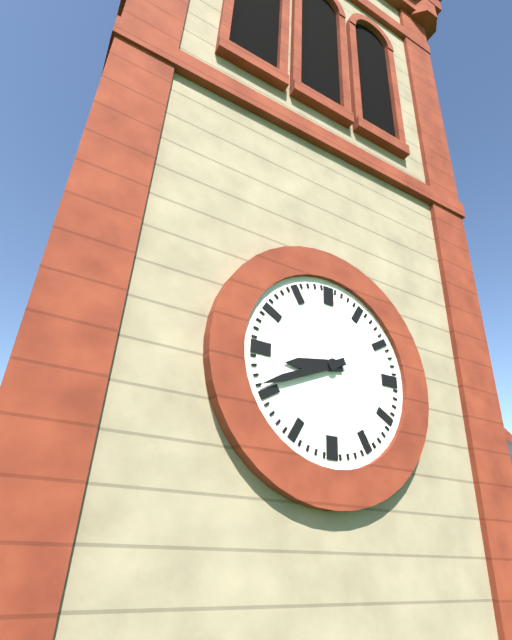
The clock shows h=8 m=41
